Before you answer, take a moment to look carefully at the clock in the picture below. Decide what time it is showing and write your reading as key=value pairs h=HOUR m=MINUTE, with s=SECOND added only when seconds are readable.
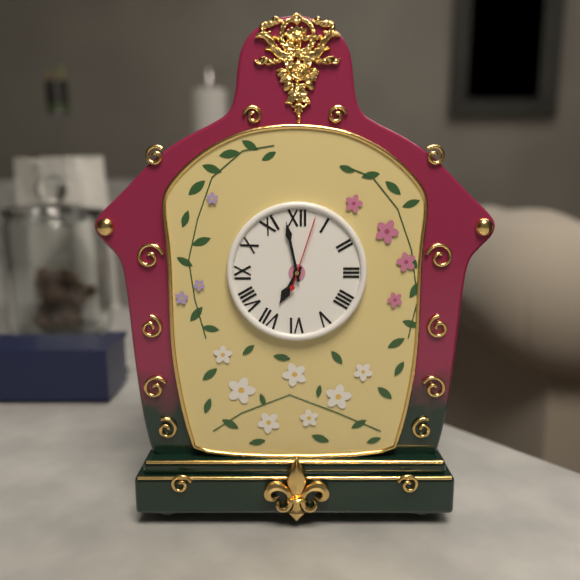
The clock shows h=6 m=58 s=3
